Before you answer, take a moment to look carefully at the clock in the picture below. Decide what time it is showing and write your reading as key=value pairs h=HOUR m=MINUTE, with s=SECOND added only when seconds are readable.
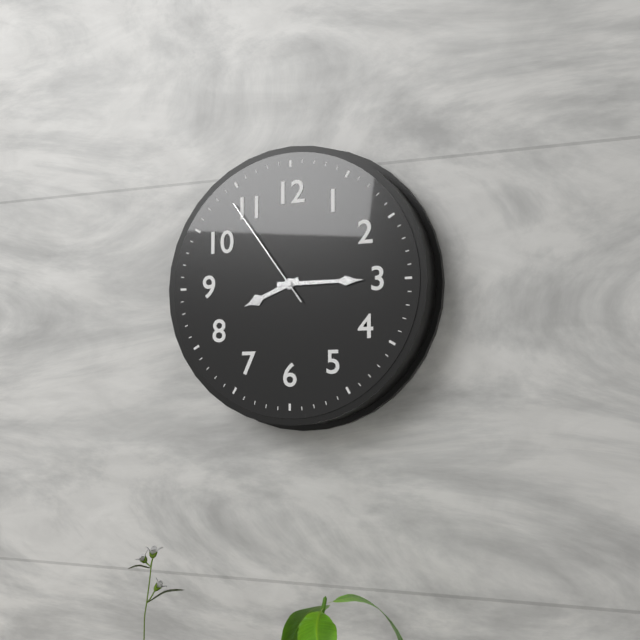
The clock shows h=8 m=15 s=54
